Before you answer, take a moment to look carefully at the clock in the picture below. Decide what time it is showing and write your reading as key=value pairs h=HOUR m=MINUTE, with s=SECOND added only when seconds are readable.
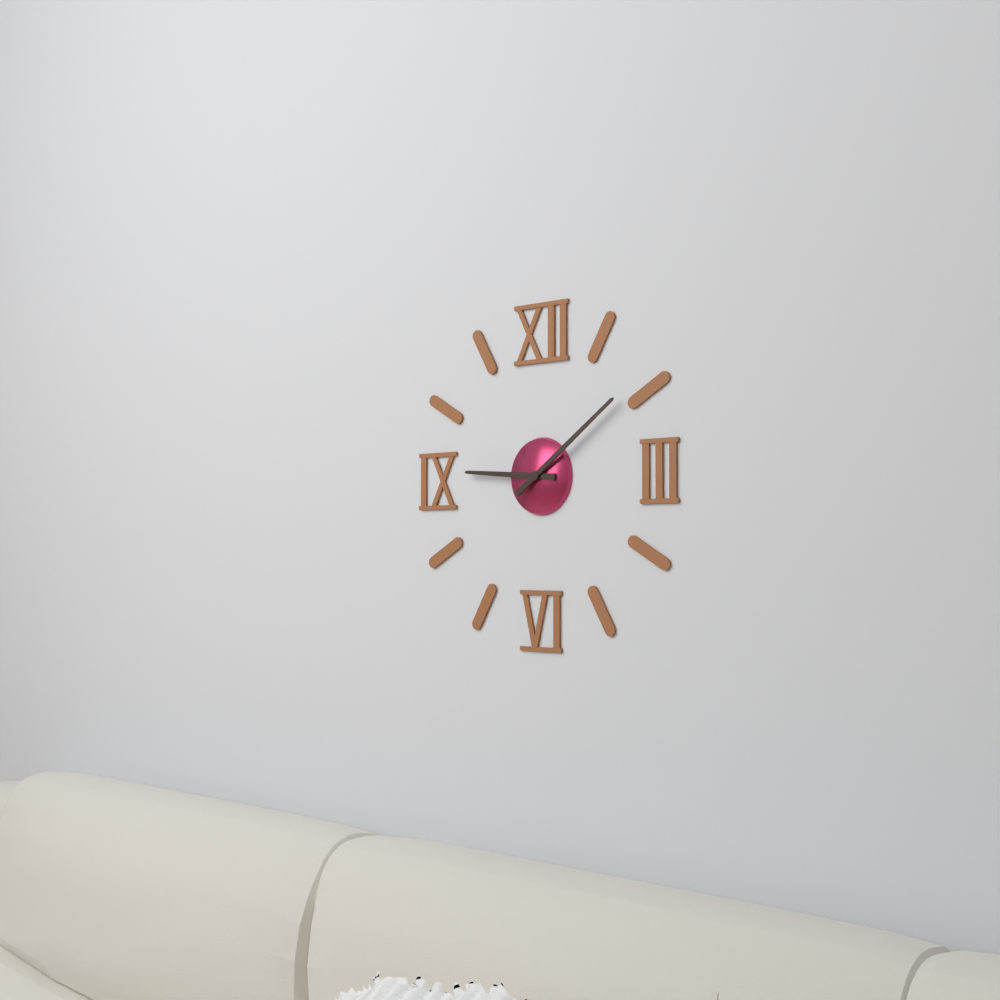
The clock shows h=9 m=9
